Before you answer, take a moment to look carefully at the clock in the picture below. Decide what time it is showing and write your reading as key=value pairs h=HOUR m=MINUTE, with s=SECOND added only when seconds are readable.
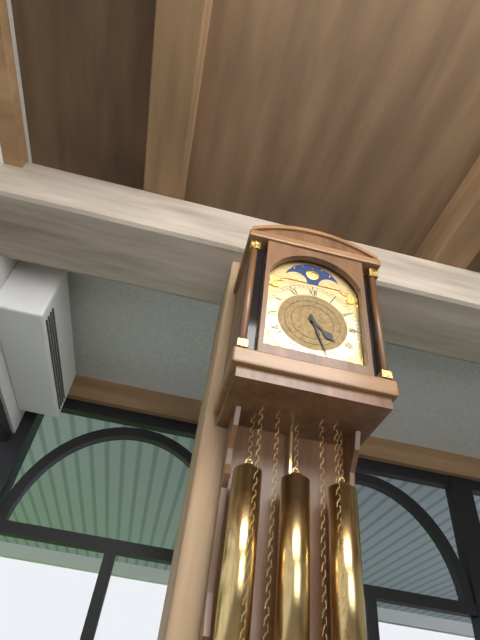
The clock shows h=4 m=27
